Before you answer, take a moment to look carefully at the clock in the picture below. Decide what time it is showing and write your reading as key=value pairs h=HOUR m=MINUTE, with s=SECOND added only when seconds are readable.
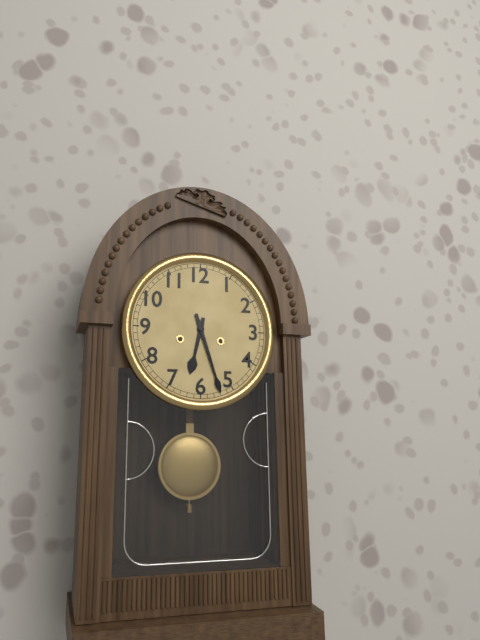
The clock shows h=6 m=27
